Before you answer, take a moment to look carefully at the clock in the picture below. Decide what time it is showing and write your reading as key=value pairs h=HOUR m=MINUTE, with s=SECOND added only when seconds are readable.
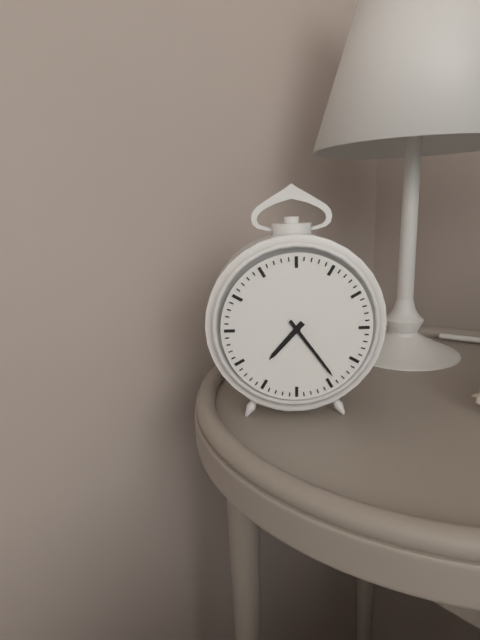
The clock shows h=7 m=24
